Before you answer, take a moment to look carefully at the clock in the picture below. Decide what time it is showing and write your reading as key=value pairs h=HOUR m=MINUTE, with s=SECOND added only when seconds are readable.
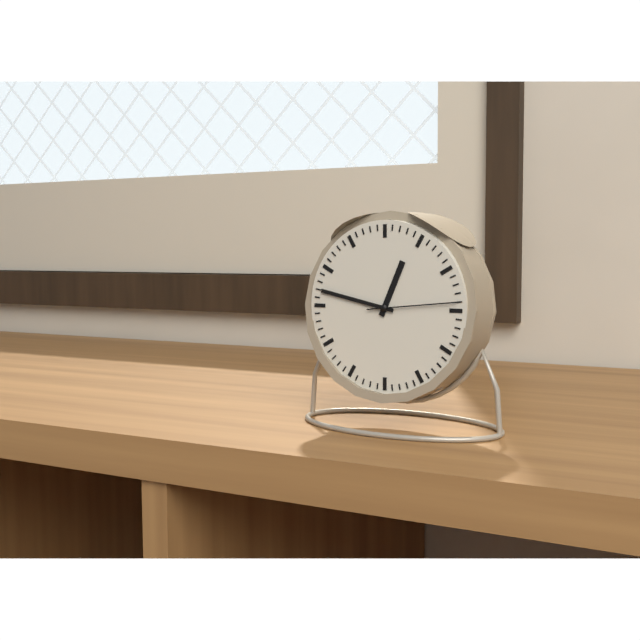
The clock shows h=12 m=47 s=14
